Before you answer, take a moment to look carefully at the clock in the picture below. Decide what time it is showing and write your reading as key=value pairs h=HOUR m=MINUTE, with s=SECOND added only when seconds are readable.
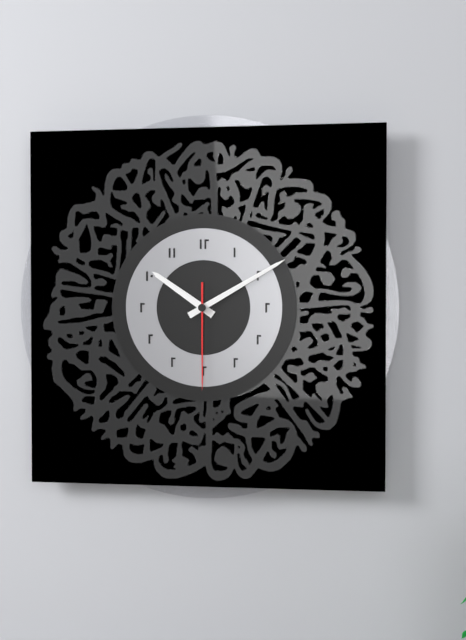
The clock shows h=10 m=10 s=30
